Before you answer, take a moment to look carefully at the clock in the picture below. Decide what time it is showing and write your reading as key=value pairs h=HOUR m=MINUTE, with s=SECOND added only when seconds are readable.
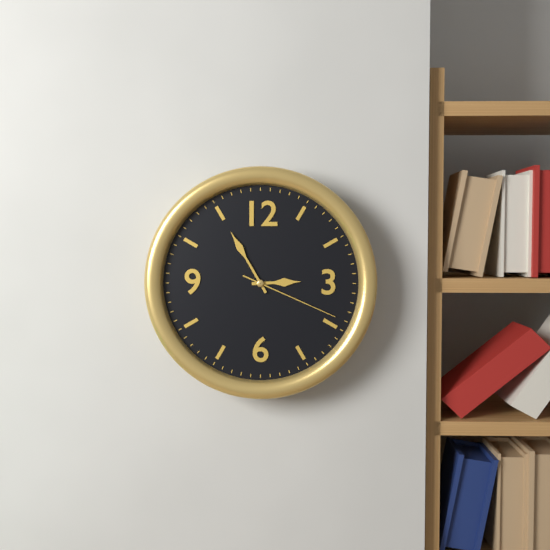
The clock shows h=2 m=55 s=19
